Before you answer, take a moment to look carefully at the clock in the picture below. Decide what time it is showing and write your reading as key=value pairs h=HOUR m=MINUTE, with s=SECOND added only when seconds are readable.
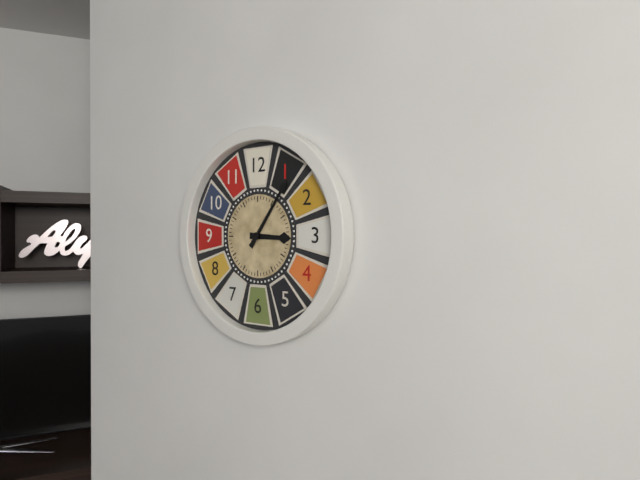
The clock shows h=3 m=6
